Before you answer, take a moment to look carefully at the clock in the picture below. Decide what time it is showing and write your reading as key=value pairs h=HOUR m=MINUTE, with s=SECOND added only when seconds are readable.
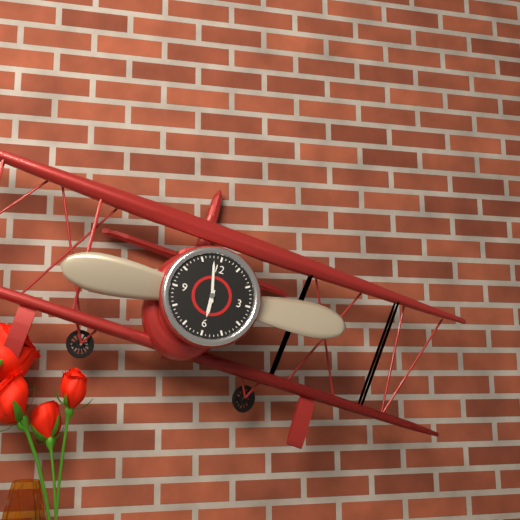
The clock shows h=5 m=58
